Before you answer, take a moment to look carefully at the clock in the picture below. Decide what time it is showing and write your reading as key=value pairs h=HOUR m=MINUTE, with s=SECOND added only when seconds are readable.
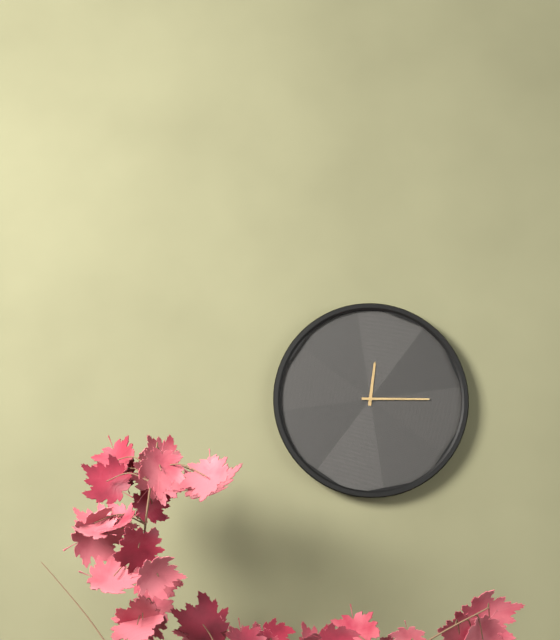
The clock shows h=12 m=15
